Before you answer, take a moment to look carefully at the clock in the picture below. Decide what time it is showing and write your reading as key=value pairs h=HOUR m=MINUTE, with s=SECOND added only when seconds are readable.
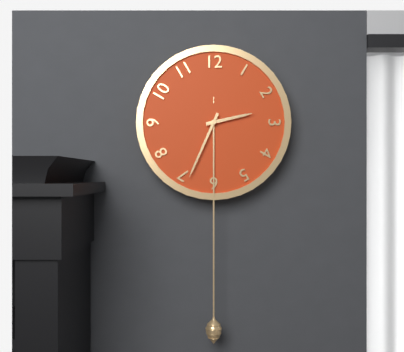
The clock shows h=2 m=34
